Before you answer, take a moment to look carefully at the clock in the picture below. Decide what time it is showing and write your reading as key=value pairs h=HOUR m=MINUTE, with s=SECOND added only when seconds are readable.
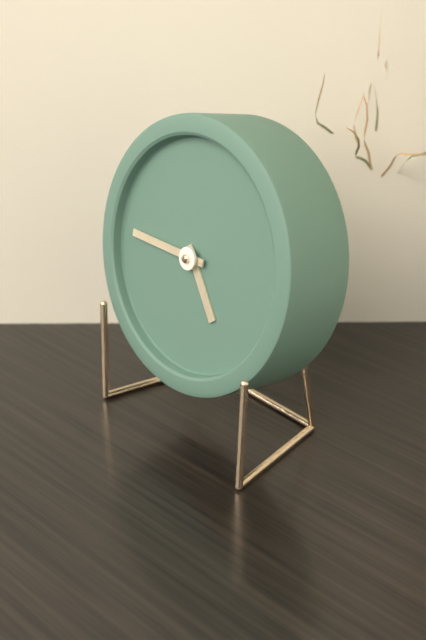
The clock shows h=4 m=45
